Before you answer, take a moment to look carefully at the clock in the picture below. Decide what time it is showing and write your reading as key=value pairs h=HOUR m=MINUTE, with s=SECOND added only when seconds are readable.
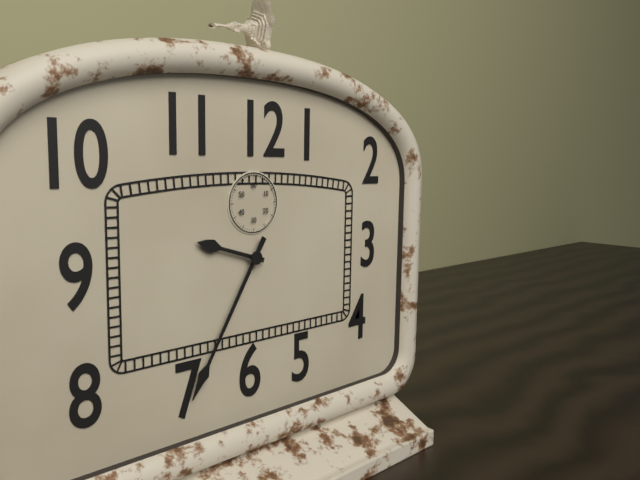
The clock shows h=9 m=35
